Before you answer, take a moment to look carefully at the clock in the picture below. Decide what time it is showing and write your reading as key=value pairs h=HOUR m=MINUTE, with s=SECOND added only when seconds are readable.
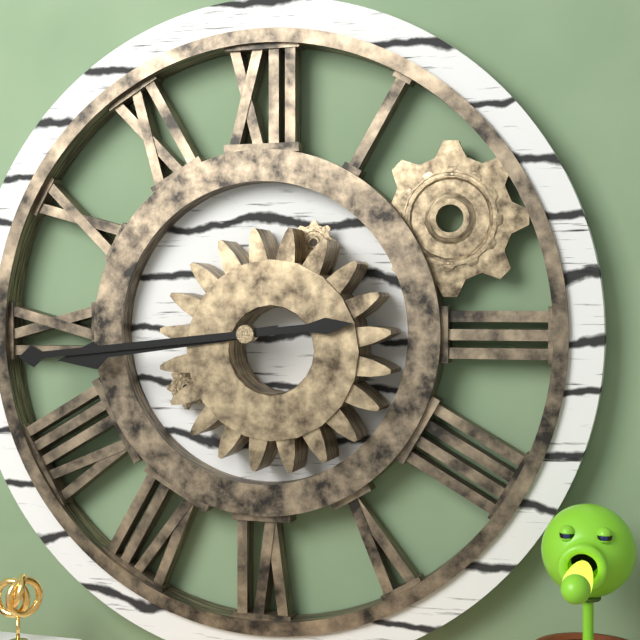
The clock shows h=8 m=44
